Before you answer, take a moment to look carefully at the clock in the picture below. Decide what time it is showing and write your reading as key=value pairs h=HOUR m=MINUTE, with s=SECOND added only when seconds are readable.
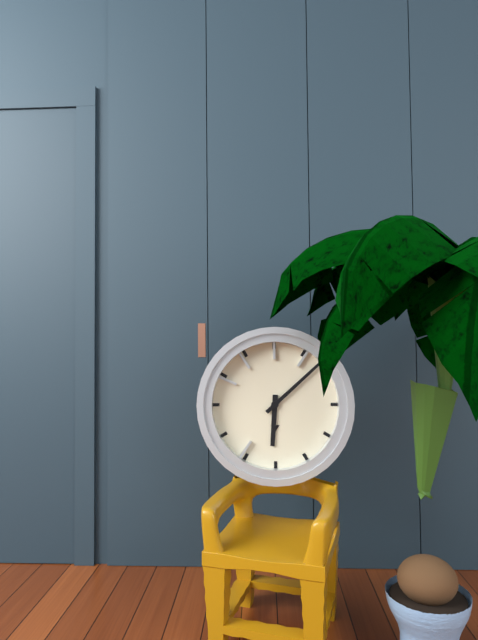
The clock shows h=6 m=8
